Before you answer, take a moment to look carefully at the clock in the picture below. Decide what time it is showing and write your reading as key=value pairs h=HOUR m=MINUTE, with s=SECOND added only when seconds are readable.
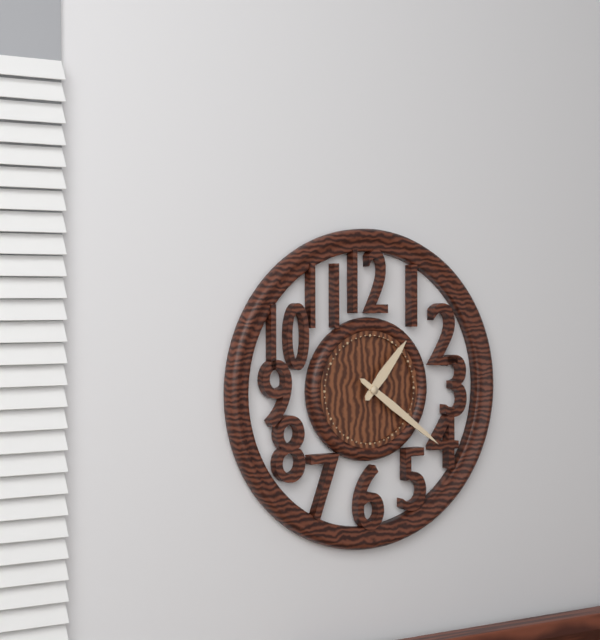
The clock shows h=1 m=21
